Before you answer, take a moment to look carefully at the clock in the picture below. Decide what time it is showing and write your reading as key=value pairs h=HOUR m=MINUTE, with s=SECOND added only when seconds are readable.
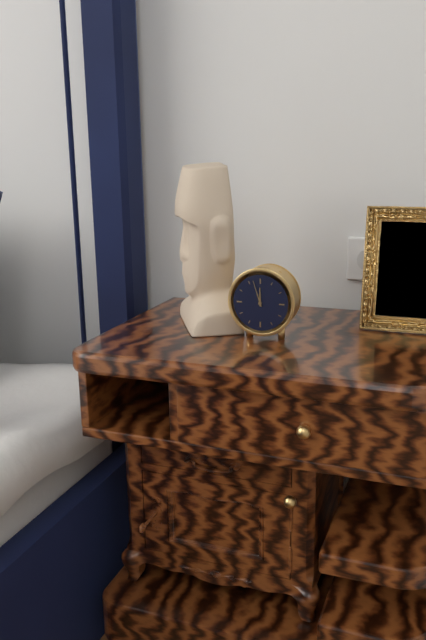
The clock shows h=11 m=57
